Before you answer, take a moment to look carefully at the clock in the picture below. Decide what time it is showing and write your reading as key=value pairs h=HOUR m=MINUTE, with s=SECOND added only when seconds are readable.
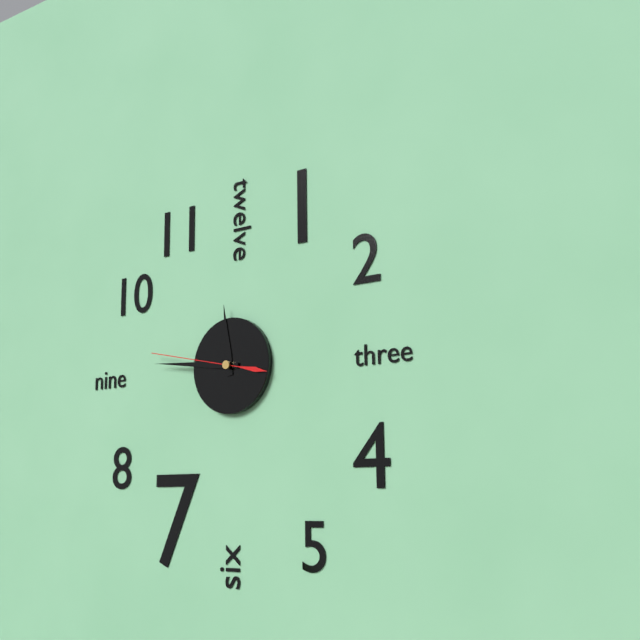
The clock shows h=11 m=46 s=47
